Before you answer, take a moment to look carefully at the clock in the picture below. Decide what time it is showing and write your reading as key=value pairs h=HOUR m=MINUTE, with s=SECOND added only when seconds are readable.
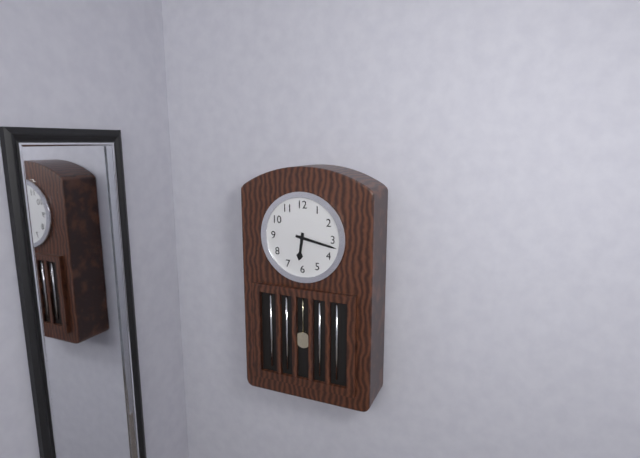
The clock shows h=6 m=17
